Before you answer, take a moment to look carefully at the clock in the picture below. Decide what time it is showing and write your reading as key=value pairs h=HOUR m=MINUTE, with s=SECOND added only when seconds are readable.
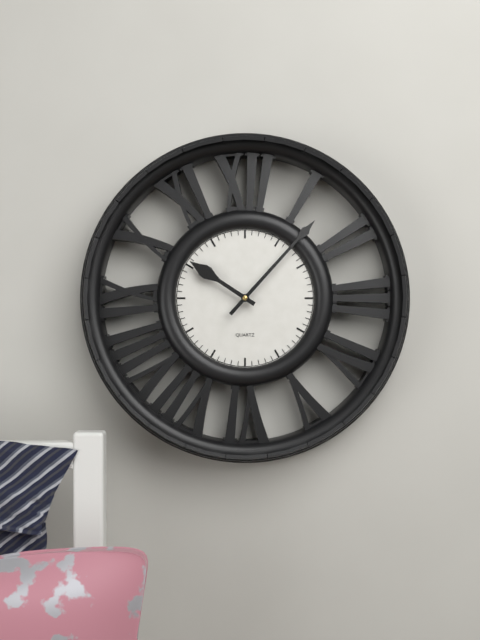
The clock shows h=10 m=7
